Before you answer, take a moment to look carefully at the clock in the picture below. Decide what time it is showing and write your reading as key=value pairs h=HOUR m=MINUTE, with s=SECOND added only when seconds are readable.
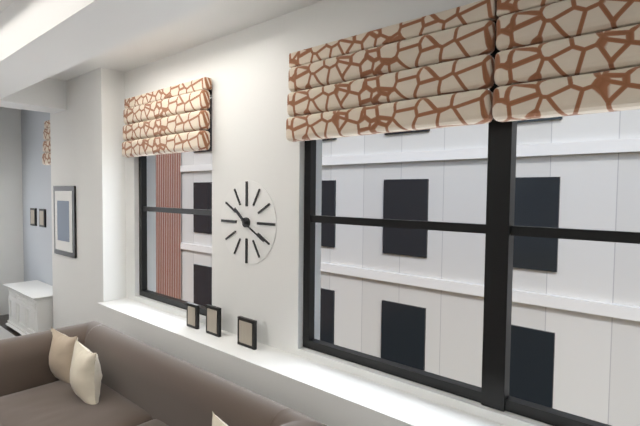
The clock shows h=10 m=20
